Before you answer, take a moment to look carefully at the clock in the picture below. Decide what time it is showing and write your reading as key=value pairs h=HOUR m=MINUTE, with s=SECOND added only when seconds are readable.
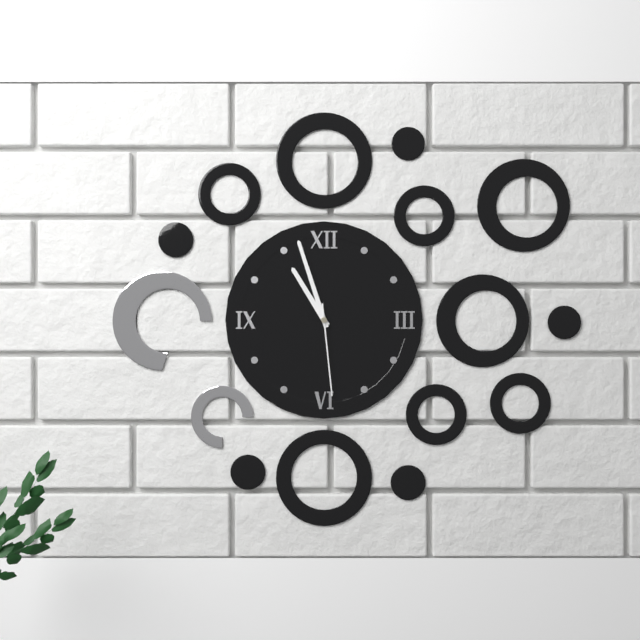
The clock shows h=10 m=57 s=29
